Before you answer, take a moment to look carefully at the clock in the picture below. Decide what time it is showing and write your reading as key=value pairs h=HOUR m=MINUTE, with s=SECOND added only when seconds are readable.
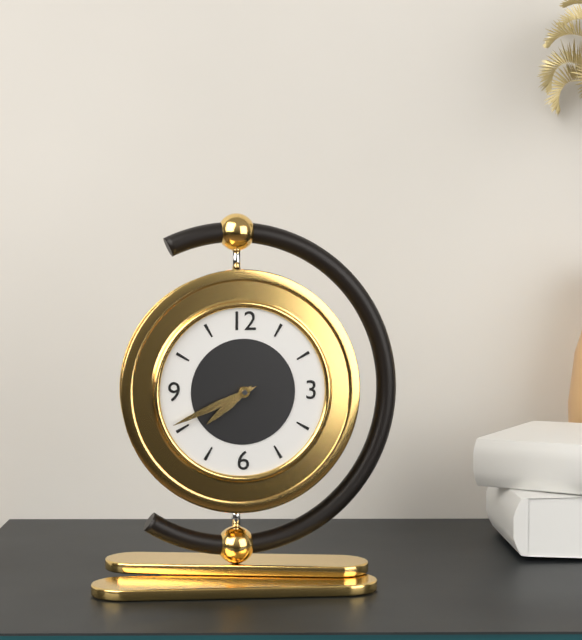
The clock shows h=7 m=41
